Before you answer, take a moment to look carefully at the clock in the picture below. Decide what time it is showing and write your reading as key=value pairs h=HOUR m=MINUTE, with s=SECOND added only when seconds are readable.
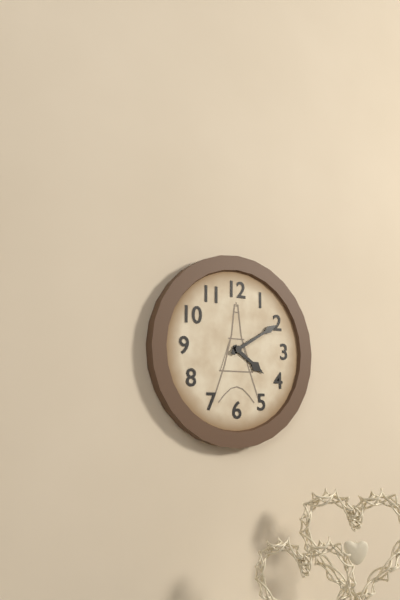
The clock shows h=4 m=10
